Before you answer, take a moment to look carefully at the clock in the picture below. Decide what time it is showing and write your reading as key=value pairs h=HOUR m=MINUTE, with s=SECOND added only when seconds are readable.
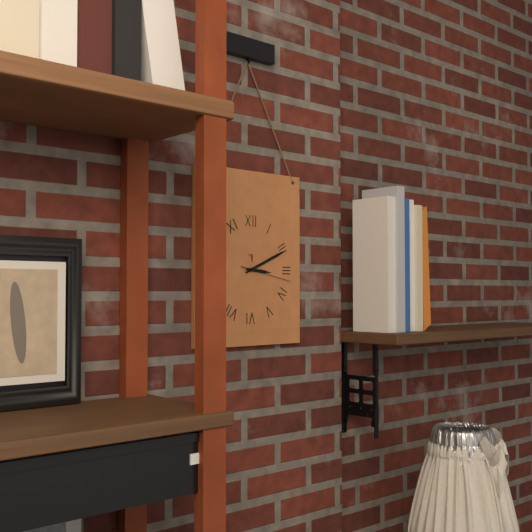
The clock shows h=3 m=11 s=17
